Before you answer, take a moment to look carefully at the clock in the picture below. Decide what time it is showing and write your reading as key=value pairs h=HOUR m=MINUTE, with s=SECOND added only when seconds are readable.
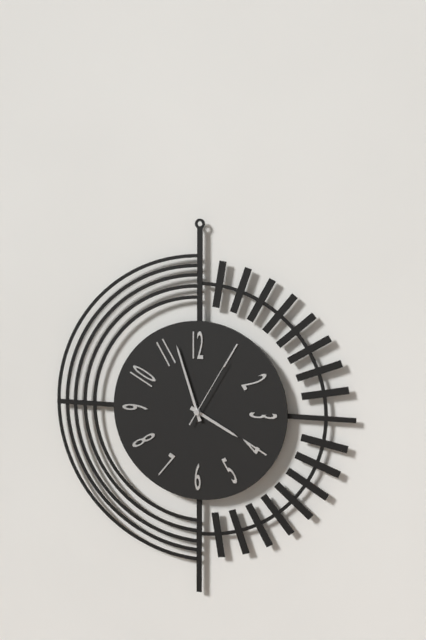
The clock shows h=3 m=57 s=5
